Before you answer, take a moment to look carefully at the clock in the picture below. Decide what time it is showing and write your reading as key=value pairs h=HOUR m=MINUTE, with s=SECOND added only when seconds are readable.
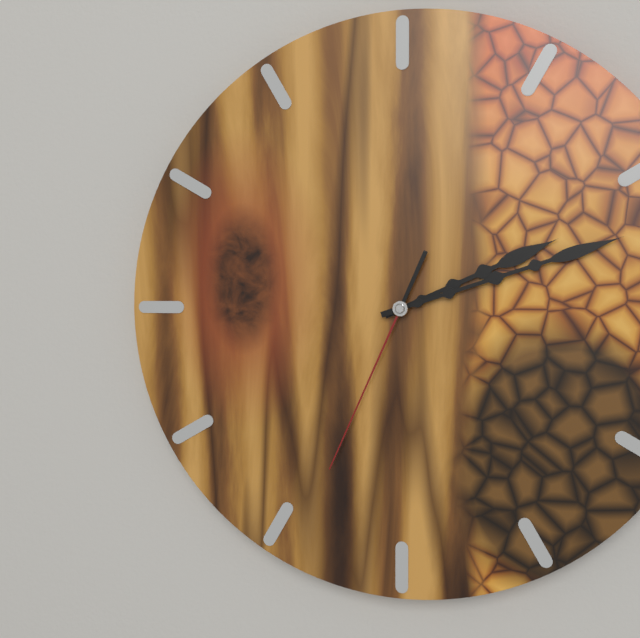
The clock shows h=2 m=12 s=34
